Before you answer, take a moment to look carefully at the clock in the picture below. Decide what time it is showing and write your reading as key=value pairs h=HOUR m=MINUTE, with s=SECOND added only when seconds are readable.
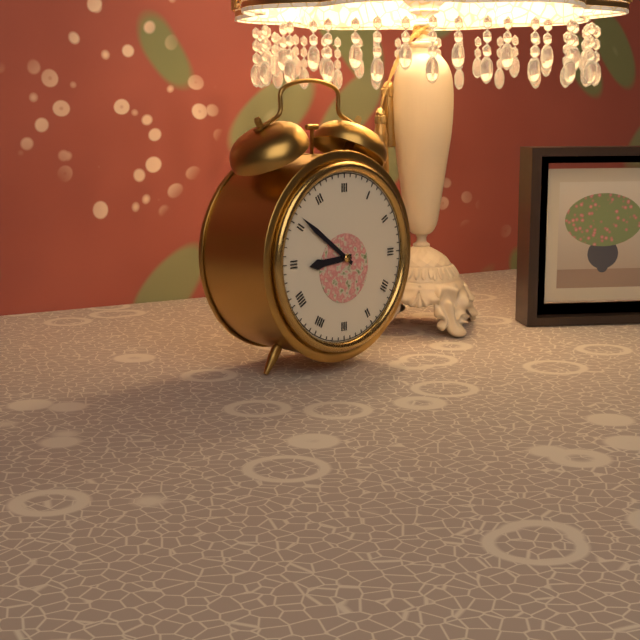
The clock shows h=8 m=51
